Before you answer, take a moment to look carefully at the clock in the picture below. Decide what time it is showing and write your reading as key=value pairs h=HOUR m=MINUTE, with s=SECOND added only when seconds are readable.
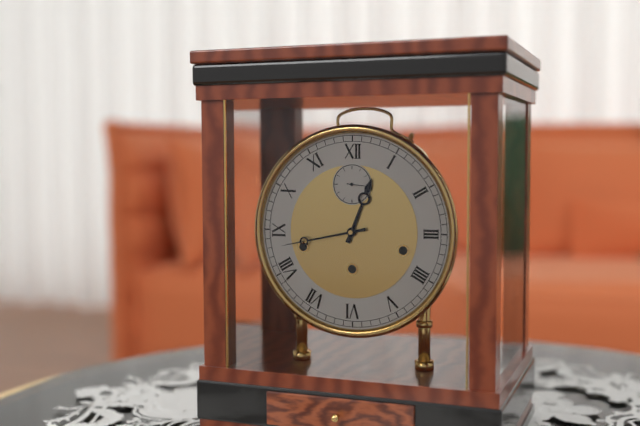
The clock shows h=12 m=43
